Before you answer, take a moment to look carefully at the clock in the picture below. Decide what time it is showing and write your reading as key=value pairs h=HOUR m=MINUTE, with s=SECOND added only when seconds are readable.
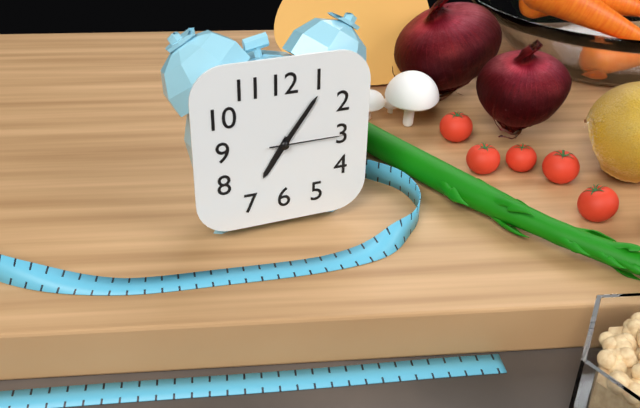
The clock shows h=7 m=6 s=15
